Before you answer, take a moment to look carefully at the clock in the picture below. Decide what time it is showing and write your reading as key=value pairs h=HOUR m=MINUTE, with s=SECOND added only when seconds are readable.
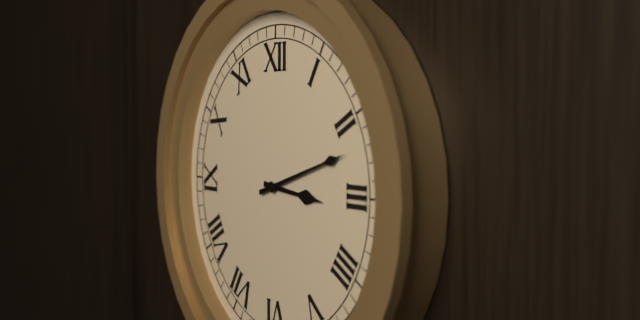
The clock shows h=3 m=12
